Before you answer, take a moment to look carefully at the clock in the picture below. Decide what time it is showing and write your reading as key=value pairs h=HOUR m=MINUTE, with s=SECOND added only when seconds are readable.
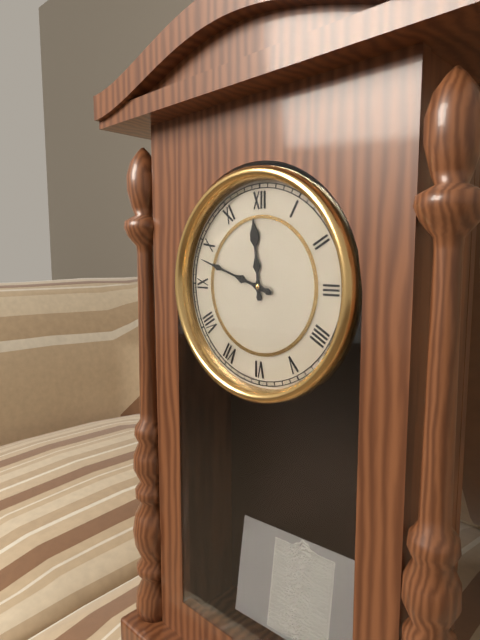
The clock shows h=11 m=48
